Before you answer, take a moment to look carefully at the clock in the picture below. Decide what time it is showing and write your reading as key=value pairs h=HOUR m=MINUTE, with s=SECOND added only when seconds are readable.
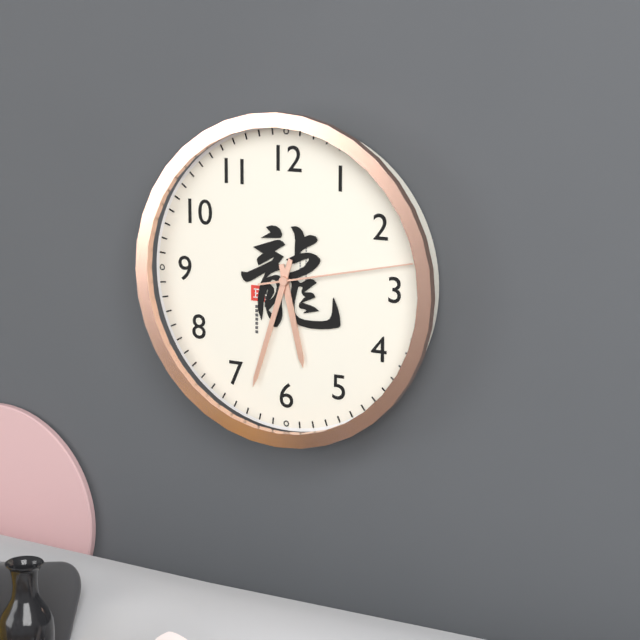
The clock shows h=5 m=33 s=13
